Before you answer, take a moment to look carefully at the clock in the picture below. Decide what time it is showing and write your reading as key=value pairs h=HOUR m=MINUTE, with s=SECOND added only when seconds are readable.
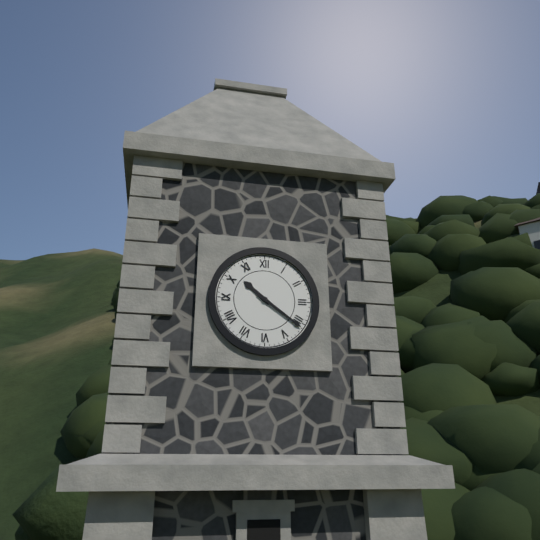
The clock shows h=10 m=21
